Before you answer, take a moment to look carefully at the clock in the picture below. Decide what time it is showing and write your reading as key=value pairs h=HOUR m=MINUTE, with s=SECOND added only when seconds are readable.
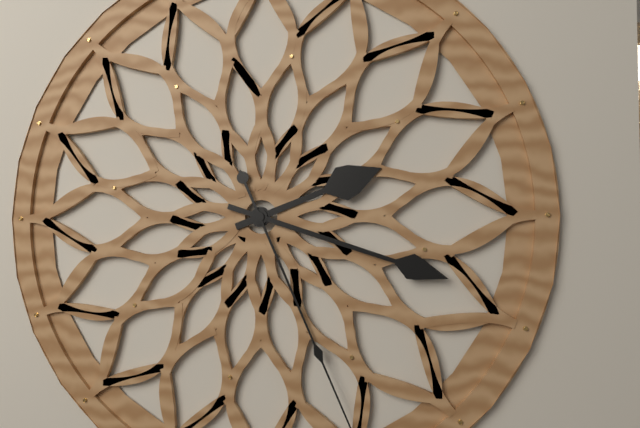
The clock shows h=2 m=18
